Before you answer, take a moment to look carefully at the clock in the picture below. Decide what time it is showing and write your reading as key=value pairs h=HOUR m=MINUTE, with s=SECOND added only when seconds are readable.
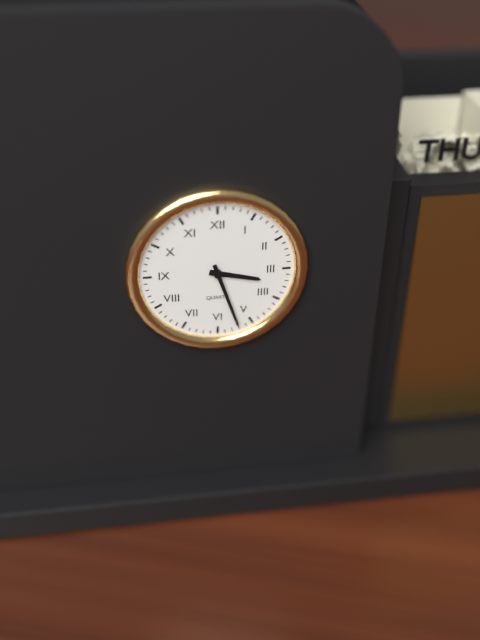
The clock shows h=3 m=27
